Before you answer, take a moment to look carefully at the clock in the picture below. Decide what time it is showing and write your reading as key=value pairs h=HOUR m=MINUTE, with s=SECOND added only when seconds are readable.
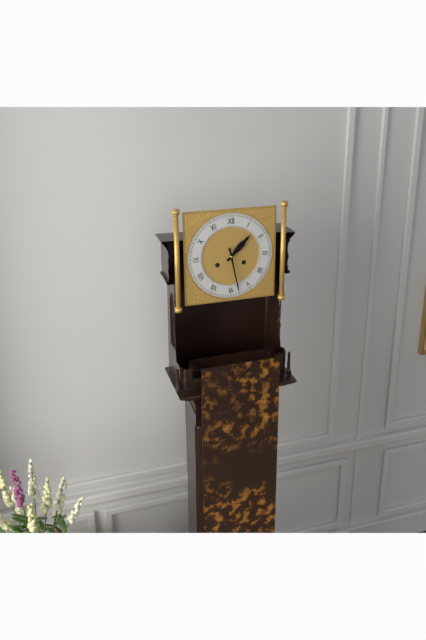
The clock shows h=1 m=28
